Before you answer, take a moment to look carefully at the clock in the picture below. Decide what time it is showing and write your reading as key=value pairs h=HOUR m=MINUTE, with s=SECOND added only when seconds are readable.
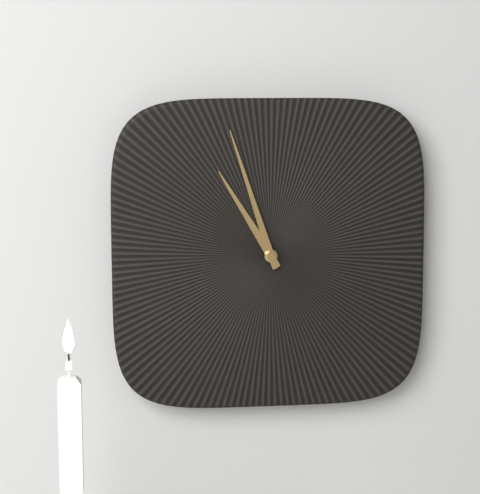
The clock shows h=10 m=57
